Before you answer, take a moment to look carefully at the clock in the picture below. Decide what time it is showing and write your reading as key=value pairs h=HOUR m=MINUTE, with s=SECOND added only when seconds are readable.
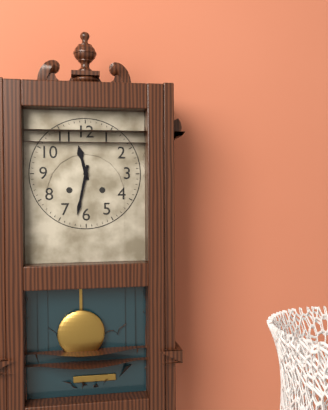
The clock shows h=11 m=32
